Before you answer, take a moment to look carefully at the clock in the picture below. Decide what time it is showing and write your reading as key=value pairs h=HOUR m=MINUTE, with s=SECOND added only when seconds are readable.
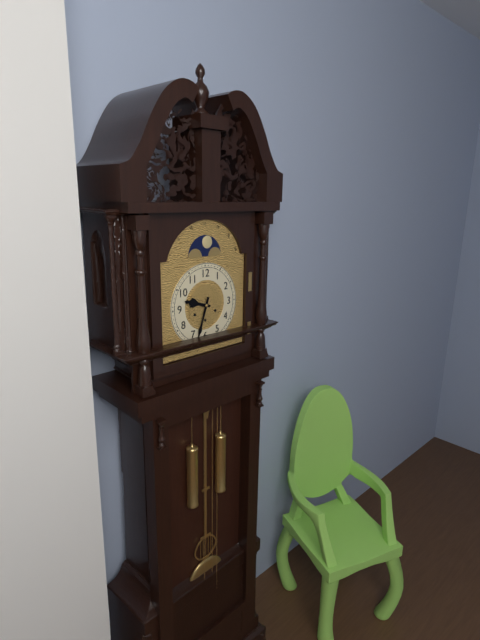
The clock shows h=9 m=33
